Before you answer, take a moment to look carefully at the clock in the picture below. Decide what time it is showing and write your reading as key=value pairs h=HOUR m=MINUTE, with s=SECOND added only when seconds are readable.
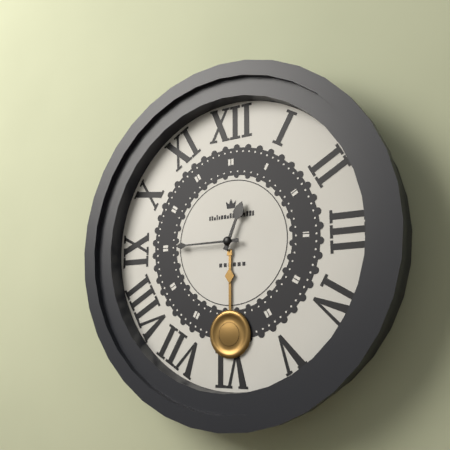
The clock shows h=12 m=45
